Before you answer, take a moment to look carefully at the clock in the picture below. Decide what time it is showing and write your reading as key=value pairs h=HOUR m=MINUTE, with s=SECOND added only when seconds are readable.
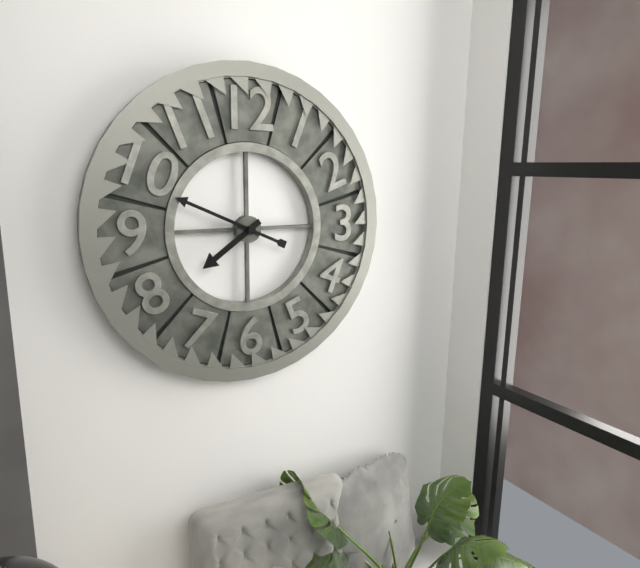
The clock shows h=7 m=49
